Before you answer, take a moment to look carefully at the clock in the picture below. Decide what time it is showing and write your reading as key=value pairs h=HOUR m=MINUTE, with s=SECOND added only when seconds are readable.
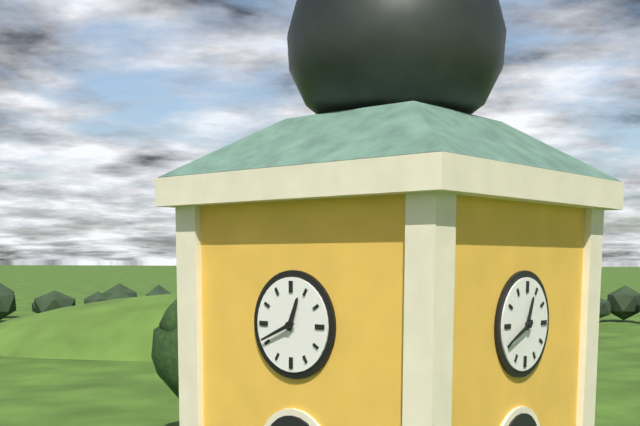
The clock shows h=12 m=41
